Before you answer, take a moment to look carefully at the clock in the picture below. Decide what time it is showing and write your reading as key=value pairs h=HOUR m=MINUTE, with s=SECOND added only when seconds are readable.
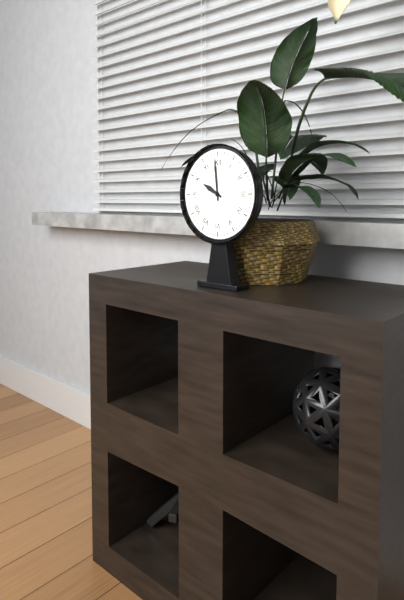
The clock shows h=9 m=59
